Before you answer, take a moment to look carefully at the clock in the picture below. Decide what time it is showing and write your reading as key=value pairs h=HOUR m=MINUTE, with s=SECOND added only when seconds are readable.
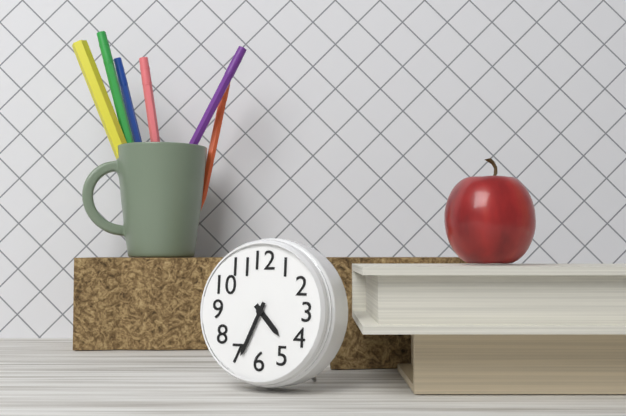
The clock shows h=4 m=34
